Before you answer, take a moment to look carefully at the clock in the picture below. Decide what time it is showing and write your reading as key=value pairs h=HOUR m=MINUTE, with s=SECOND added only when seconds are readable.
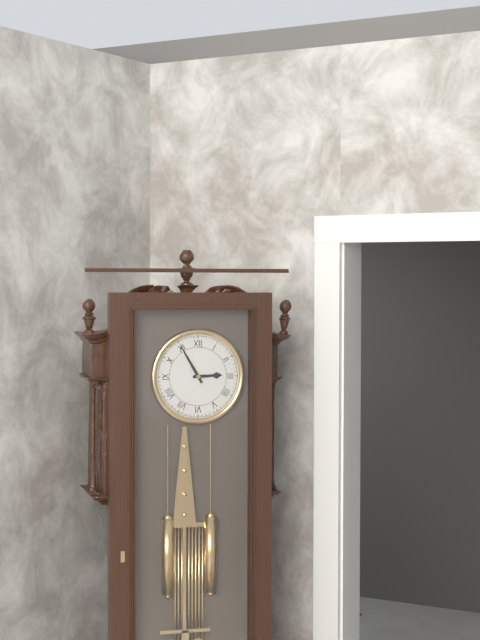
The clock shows h=2 m=55
